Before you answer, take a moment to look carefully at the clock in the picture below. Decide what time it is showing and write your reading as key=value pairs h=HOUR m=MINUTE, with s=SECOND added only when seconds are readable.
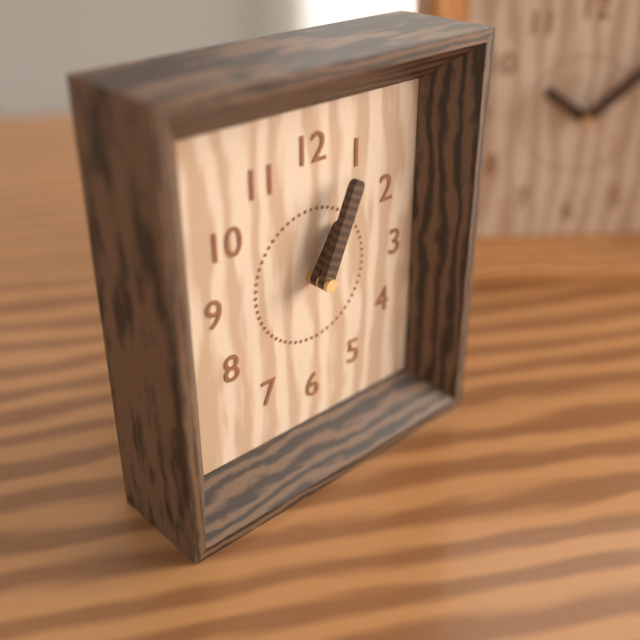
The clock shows h=1 m=4
